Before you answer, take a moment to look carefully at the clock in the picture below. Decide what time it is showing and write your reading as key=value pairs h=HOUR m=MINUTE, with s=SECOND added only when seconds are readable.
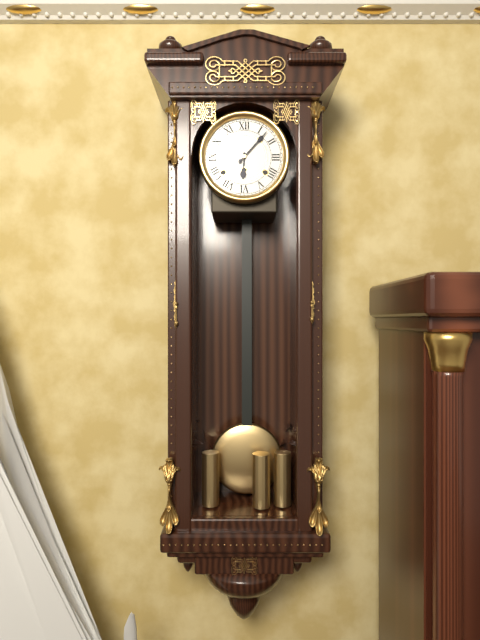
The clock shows h=6 m=7
